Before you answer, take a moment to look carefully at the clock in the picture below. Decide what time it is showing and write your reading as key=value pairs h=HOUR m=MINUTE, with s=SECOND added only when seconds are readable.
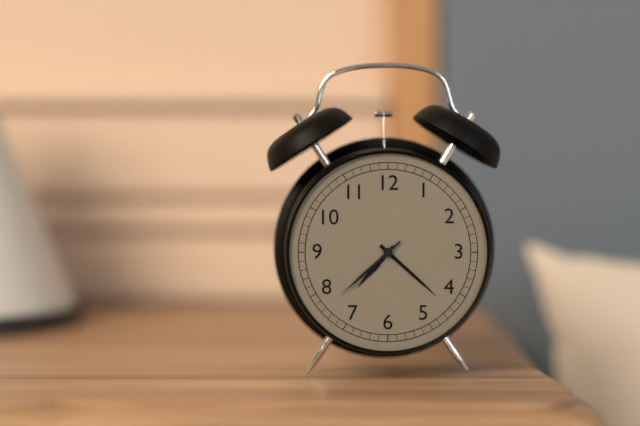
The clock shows h=7 m=22 s=38
